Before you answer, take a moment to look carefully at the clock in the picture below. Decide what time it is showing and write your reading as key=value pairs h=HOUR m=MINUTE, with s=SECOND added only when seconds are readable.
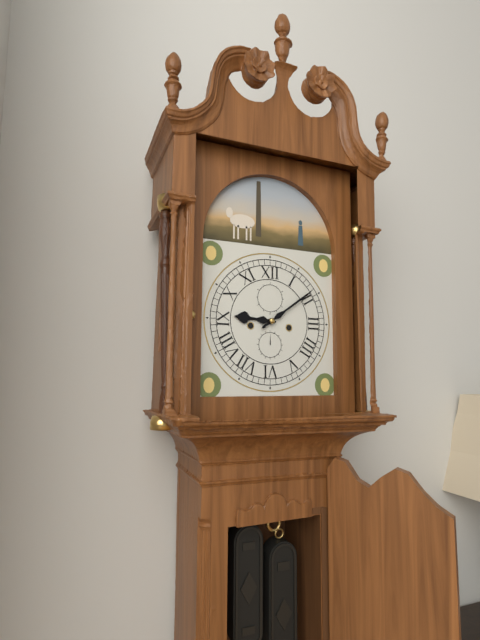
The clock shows h=9 m=9
